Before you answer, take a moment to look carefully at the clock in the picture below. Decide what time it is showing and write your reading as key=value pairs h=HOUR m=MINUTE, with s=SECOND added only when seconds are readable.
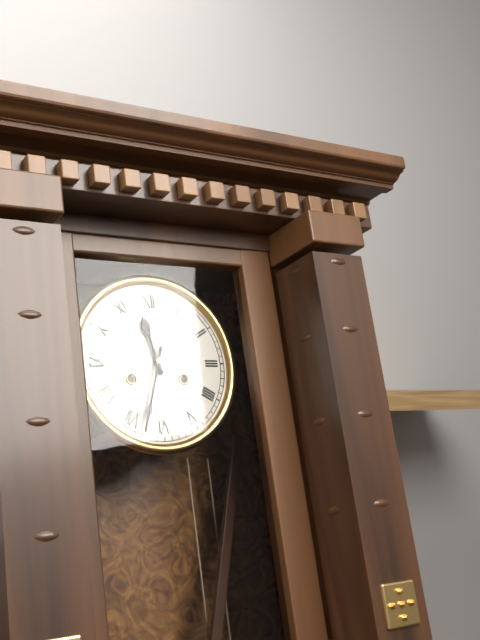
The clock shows h=11 m=33
